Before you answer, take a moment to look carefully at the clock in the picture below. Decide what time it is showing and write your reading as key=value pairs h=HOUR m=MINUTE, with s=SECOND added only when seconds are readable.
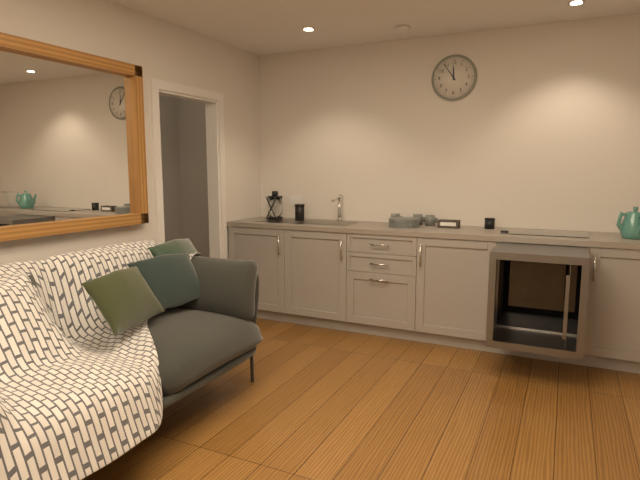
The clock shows h=11 m=54
